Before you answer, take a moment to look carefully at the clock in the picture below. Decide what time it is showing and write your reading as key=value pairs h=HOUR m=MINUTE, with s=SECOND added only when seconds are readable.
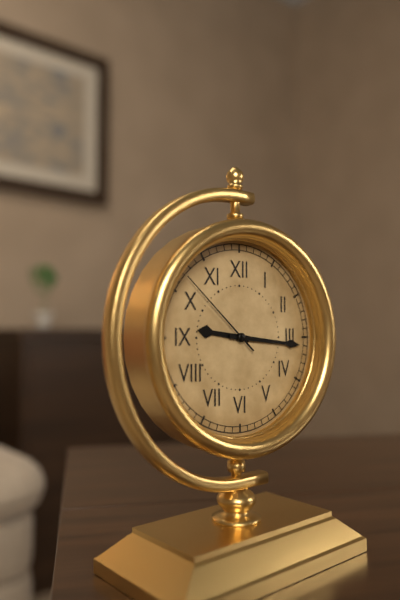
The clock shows h=9 m=16 s=52
